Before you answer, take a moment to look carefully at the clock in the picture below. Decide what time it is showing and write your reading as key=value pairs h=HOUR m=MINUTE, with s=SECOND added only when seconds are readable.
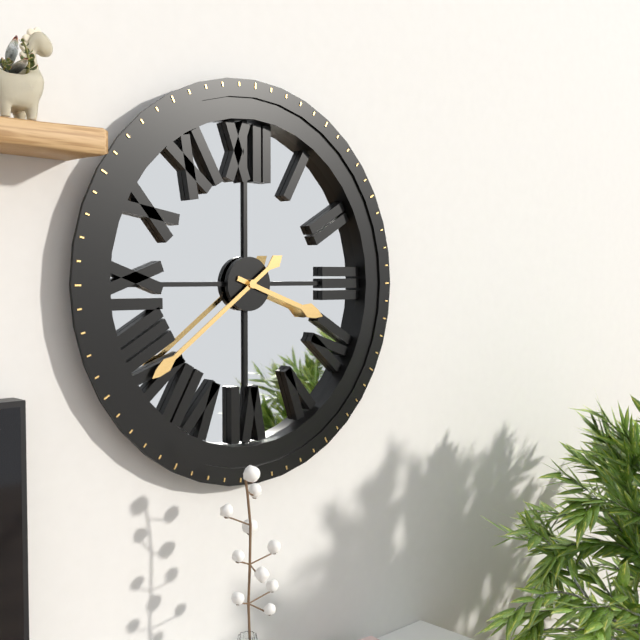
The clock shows h=3 m=39
